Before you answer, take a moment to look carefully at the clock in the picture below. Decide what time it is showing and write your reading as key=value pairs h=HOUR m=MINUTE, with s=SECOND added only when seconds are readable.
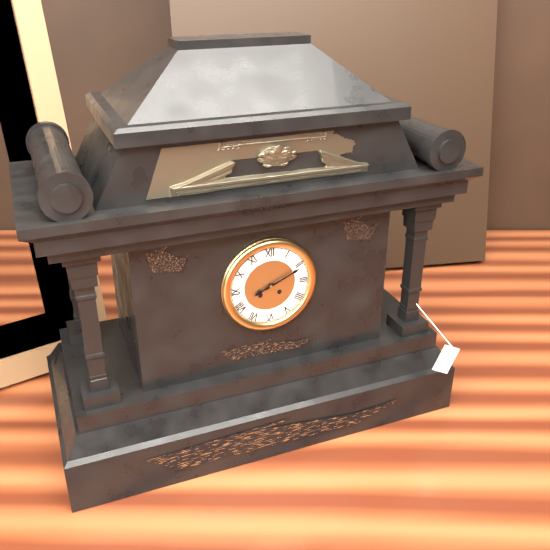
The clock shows h=8 m=11
